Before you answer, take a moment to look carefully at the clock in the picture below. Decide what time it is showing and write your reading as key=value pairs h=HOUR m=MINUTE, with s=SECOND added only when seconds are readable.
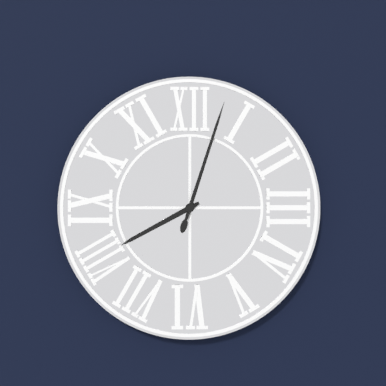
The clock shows h=8 m=3
